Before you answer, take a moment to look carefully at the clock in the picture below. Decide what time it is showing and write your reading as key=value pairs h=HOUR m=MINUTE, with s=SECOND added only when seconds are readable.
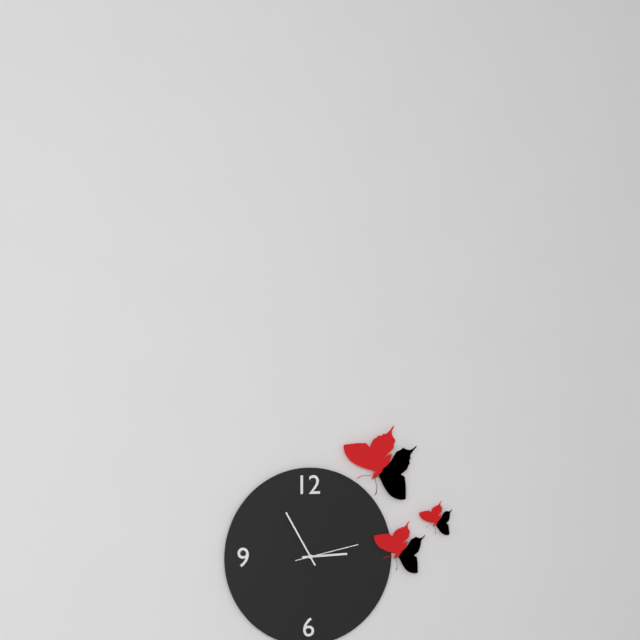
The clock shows h=2 m=55 s=13
